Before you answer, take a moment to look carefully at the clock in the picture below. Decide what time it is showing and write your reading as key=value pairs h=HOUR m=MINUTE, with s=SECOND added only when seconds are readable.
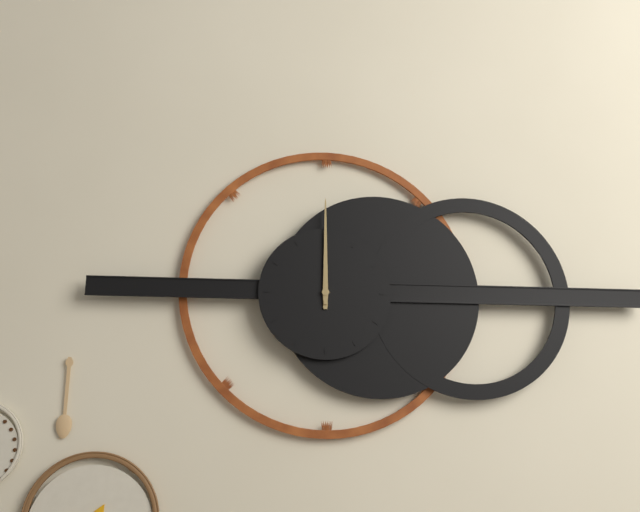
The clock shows h=12 m=0
